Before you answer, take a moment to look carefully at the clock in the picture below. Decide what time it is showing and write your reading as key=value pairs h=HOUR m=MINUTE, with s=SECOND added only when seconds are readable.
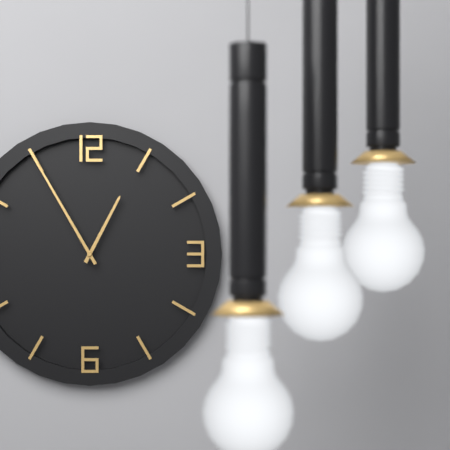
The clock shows h=12 m=55
